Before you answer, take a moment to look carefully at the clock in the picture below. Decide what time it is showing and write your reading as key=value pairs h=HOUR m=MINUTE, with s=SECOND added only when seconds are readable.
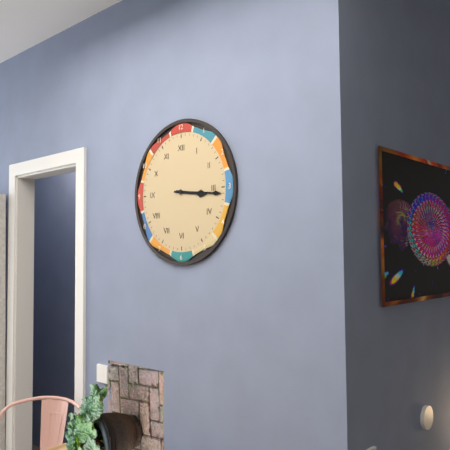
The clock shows h=3 m=16
